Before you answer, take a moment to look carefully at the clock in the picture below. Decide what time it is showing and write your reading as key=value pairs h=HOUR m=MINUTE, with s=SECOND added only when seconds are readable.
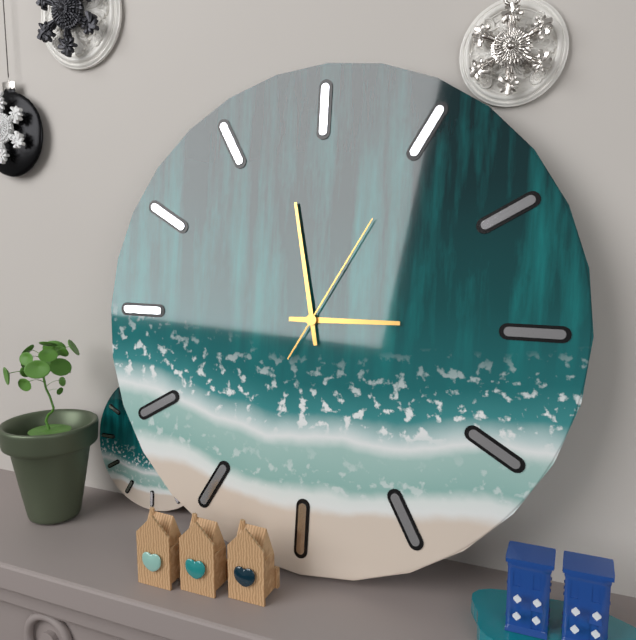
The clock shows h=2 m=58 s=5
